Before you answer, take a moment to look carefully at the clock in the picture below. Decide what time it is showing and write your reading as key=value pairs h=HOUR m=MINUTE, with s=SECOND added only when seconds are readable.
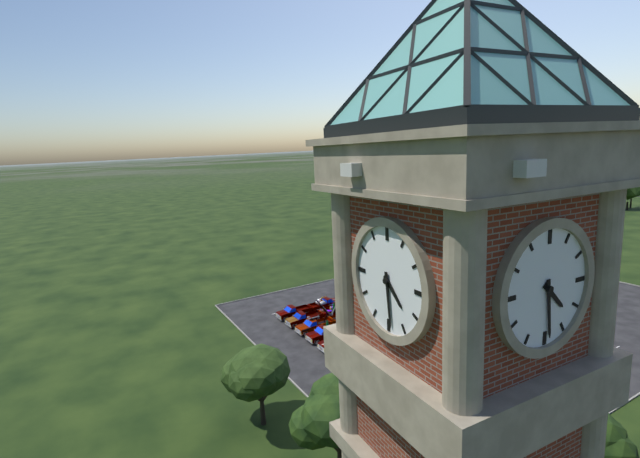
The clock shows h=4 m=29
